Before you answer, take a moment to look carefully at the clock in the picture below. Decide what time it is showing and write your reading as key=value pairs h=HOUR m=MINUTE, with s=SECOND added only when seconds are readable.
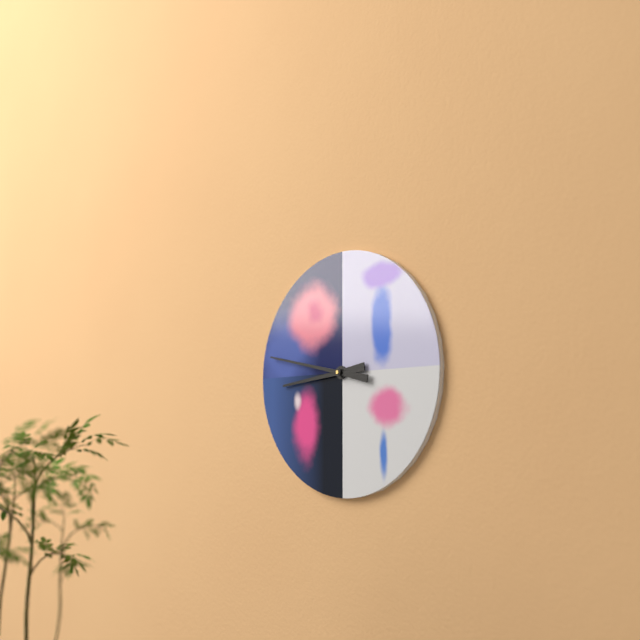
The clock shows h=8 m=47
